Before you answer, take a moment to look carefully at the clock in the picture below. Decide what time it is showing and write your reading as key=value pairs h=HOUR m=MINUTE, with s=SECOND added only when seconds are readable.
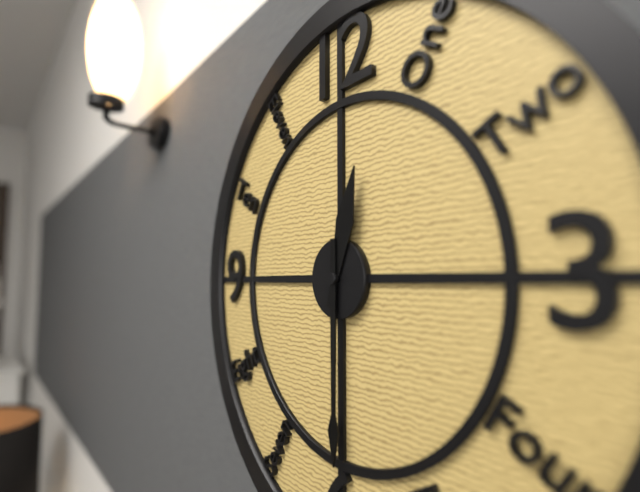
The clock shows h=12 m=30
